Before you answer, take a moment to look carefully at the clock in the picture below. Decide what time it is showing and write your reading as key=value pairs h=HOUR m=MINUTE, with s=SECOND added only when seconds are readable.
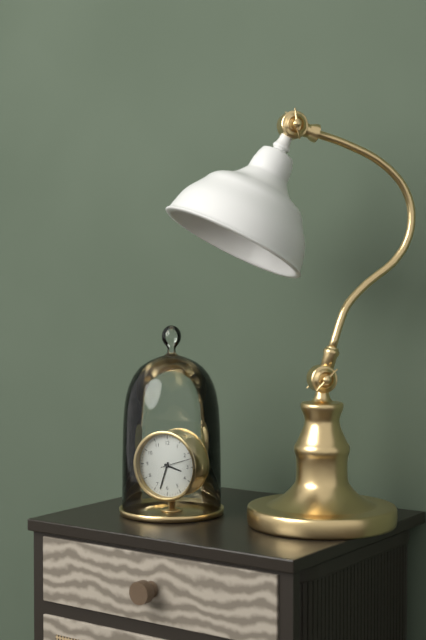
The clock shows h=3 m=33
